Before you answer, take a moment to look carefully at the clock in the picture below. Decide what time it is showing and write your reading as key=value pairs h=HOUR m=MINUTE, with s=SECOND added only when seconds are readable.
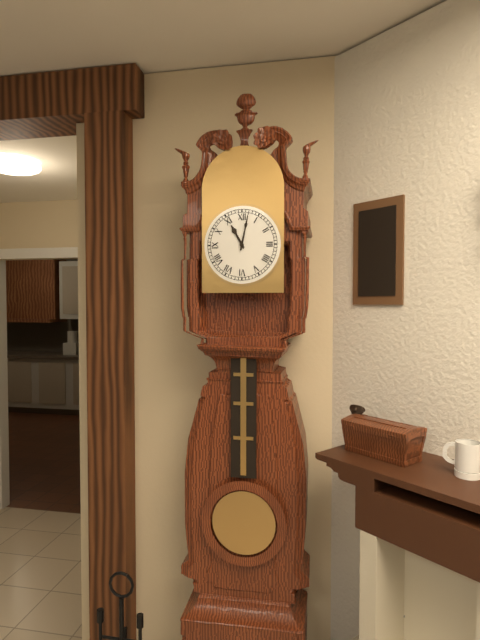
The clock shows h=11 m=2
